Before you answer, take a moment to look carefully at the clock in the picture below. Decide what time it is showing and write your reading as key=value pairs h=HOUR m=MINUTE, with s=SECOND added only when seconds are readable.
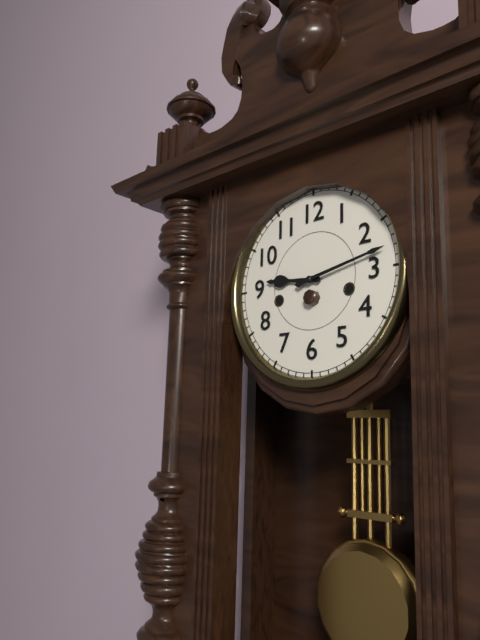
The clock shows h=9 m=13
